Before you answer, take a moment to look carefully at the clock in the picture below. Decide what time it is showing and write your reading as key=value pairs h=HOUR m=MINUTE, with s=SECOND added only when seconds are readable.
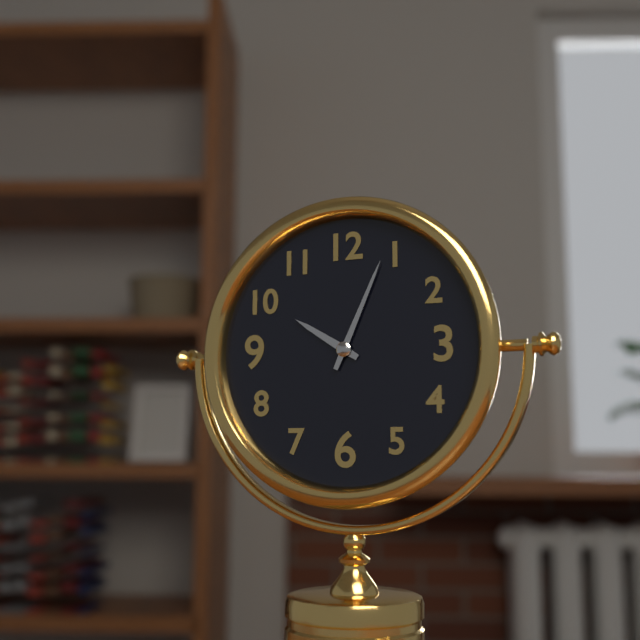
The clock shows h=10 m=4
